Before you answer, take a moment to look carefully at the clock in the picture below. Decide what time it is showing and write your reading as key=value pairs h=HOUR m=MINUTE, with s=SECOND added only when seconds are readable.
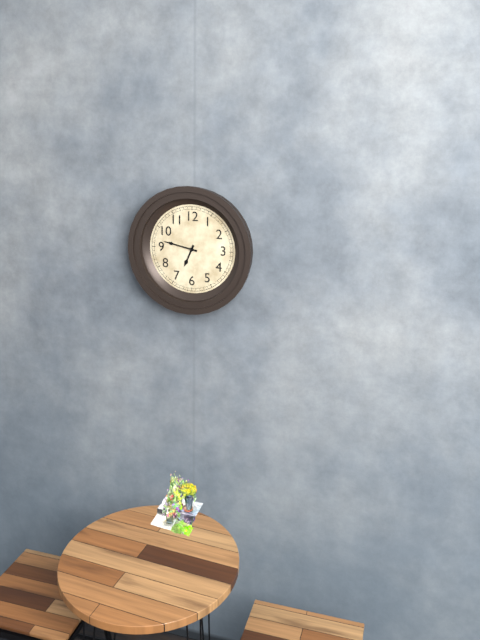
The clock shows h=6 m=47
